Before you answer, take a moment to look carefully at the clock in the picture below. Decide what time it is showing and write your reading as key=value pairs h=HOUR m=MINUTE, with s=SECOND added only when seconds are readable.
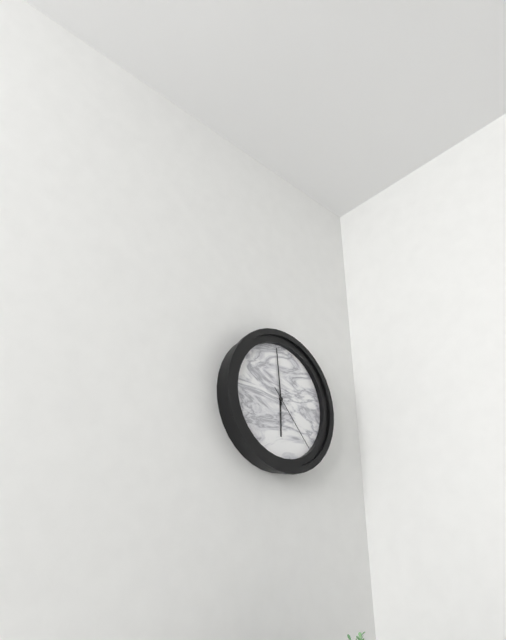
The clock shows h=5 m=59 s=23
